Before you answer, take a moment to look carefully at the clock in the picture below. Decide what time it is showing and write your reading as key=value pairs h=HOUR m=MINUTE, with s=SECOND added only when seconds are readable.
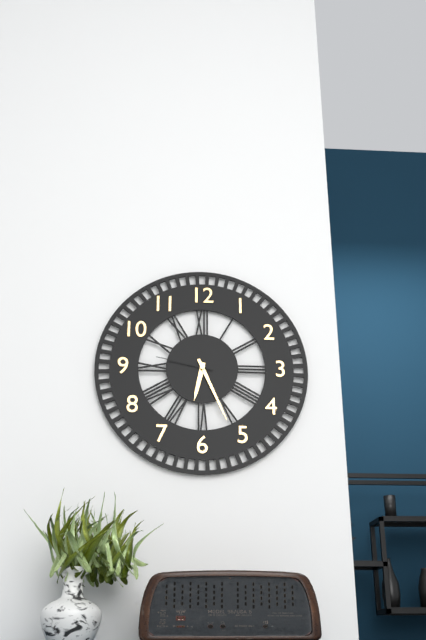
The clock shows h=6 m=26 s=47
